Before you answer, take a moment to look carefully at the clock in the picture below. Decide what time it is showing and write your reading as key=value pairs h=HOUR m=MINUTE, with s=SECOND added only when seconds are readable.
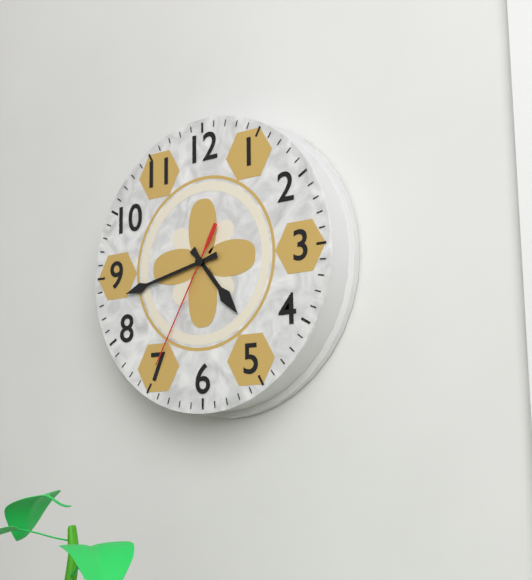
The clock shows h=4 m=43 s=35
